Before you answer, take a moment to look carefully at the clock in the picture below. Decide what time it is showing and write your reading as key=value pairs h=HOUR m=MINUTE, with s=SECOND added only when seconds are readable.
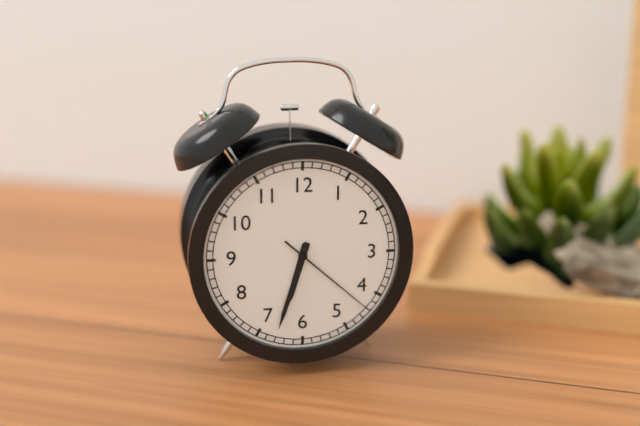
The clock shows h=6 m=33 s=22
